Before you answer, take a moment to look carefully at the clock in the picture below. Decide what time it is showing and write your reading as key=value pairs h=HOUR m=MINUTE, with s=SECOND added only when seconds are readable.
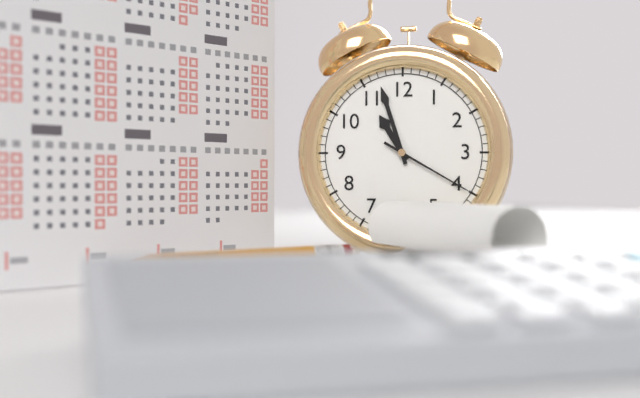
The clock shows h=10 m=57 s=20
